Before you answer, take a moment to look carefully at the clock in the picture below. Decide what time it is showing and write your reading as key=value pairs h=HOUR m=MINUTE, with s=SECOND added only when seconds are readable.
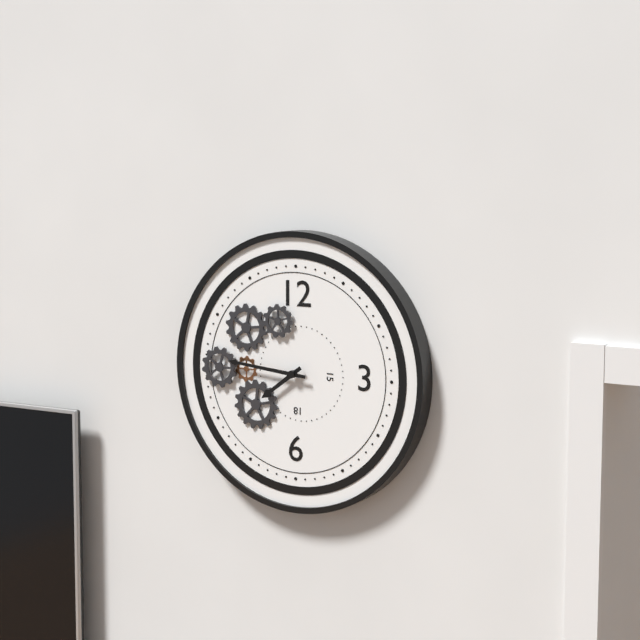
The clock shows h=7 m=46
